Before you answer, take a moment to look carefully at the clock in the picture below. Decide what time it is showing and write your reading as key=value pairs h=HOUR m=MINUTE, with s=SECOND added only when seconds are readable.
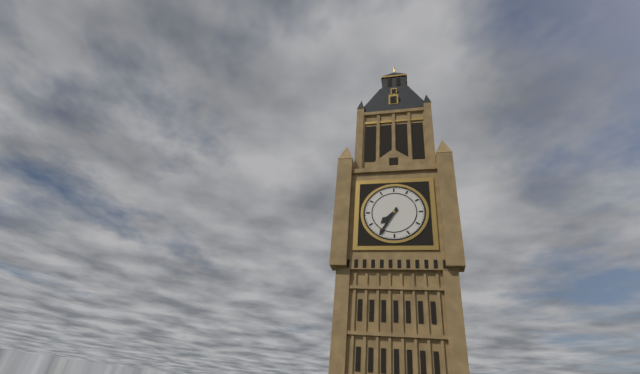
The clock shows h=7 m=35
